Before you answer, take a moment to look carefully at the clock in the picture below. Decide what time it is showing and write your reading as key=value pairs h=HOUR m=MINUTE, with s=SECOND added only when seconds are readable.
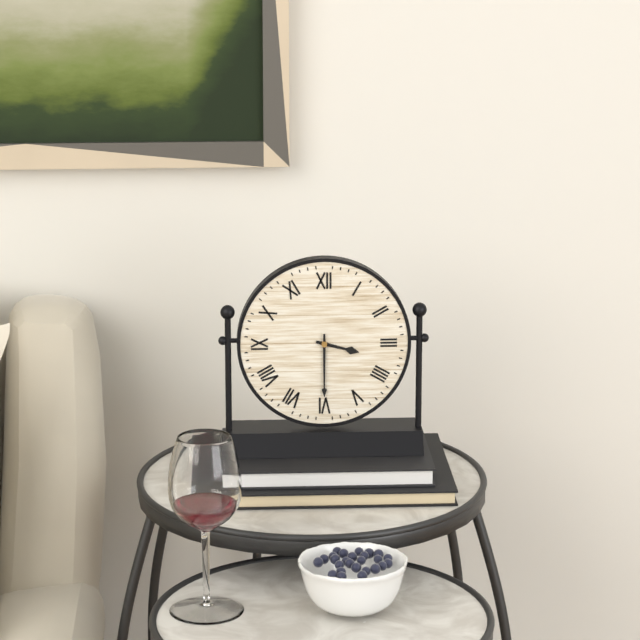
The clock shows h=3 m=30
